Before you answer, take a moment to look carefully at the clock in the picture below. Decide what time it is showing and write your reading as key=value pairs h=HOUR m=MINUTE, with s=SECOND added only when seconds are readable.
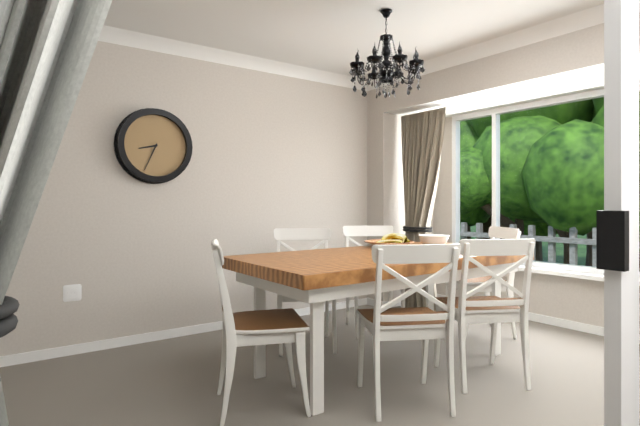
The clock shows h=8 m=34
